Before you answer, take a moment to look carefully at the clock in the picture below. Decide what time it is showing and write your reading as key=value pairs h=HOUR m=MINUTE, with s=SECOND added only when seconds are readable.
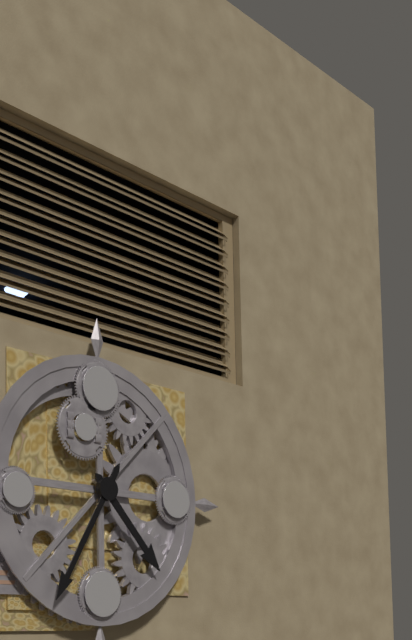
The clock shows h=4 m=35
